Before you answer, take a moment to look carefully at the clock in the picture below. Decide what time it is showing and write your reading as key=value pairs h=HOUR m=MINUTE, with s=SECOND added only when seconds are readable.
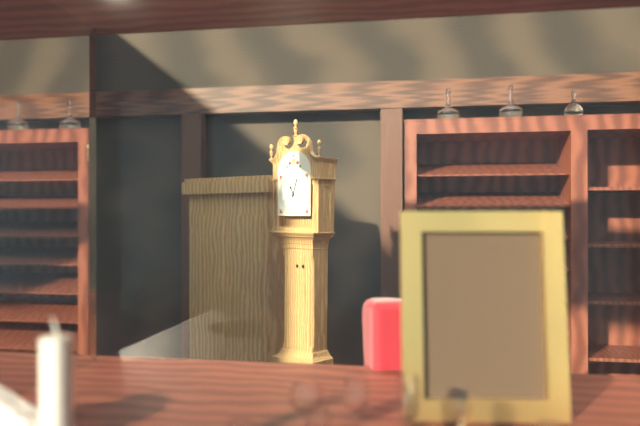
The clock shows h=11 m=3
